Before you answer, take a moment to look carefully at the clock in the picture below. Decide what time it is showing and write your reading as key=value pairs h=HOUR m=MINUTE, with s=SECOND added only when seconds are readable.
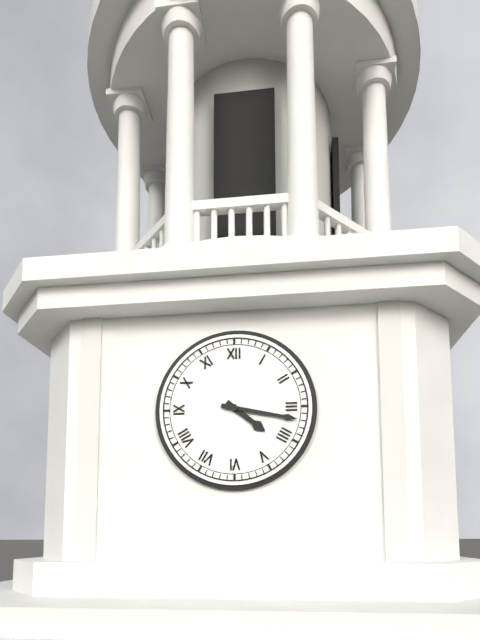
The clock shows h=4 m=17
